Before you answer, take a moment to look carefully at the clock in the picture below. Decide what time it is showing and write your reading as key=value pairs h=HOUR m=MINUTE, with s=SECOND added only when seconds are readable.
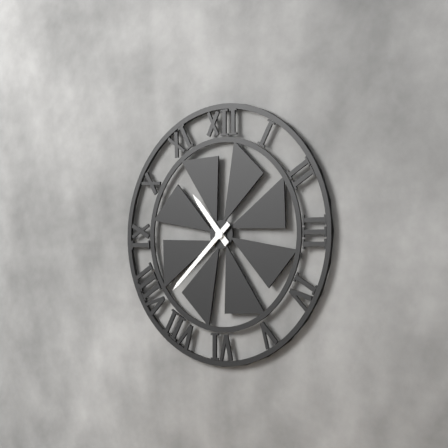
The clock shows h=10 m=38
